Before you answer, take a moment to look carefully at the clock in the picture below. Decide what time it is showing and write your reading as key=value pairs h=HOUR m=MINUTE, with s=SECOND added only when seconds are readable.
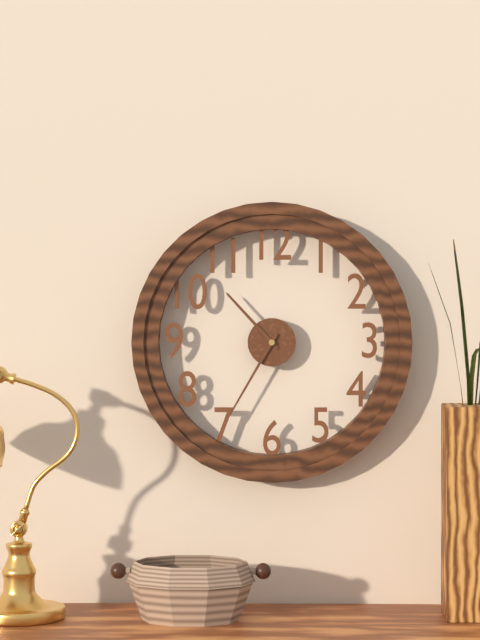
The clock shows h=10 m=35
